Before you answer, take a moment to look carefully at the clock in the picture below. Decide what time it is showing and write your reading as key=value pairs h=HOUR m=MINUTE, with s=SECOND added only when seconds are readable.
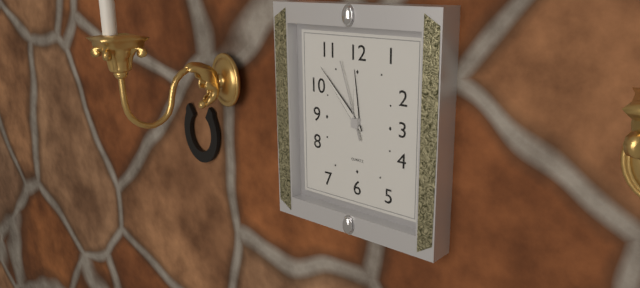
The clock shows h=11 m=53 s=57
